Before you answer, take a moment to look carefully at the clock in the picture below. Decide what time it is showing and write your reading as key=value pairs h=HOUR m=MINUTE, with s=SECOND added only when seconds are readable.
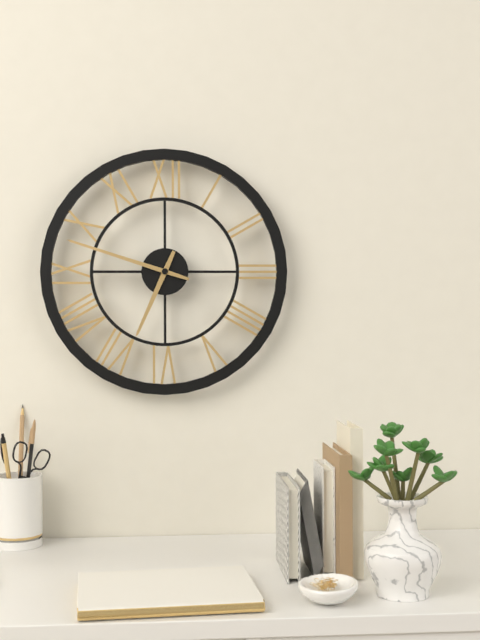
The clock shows h=6 m=48
